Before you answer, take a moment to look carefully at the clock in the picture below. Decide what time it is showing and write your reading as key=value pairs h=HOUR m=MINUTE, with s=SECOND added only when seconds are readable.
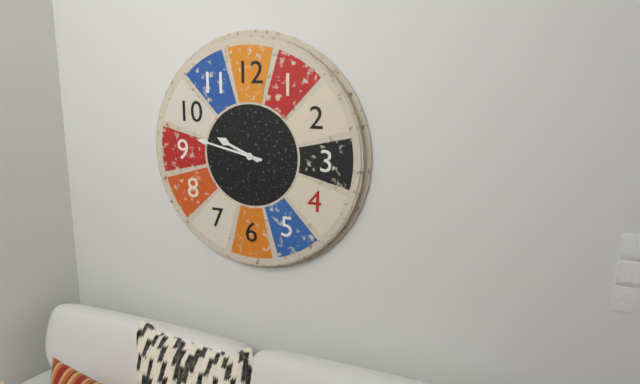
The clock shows h=9 m=47
